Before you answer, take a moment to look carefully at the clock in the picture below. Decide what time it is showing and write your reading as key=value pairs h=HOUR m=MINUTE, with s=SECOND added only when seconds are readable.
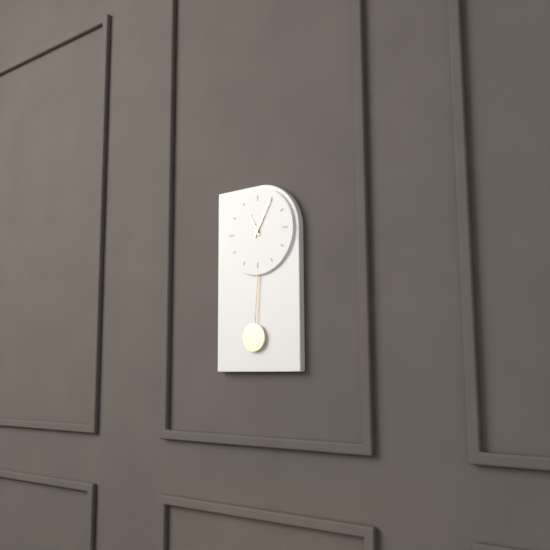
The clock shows h=11 m=5
